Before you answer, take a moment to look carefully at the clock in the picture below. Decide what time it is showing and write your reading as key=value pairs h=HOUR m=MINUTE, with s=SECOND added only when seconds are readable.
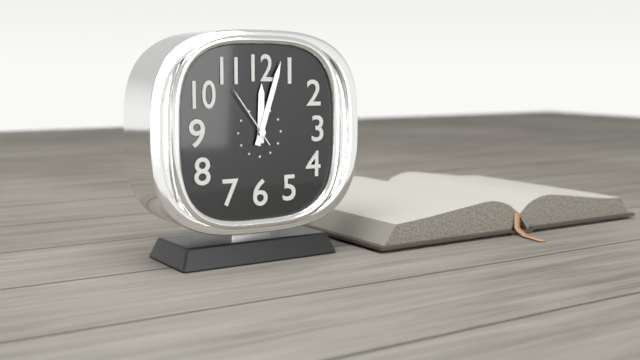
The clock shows h=12 m=3 s=54
